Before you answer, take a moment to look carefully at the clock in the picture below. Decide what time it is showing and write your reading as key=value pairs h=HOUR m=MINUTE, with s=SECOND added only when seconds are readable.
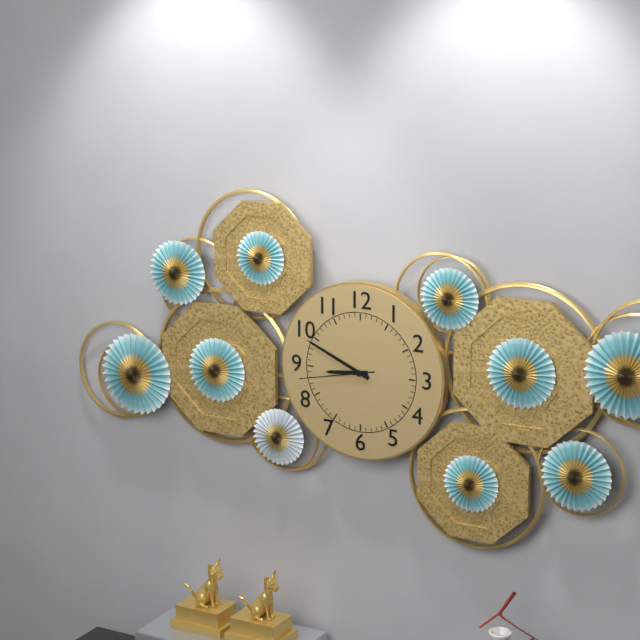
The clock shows h=8 m=49 s=43
